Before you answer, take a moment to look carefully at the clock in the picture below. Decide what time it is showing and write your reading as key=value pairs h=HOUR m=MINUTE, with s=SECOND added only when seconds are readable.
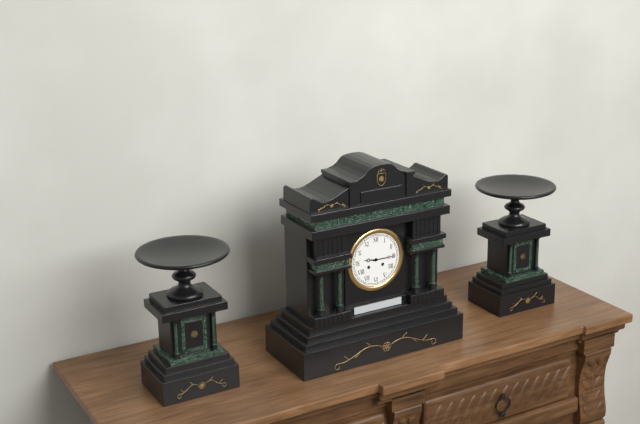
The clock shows h=9 m=15
